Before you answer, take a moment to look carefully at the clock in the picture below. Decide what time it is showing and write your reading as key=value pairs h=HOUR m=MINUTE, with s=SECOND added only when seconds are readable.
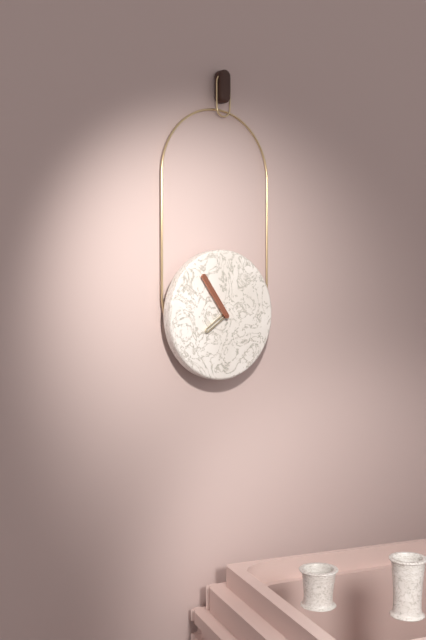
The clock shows h=7 m=54
